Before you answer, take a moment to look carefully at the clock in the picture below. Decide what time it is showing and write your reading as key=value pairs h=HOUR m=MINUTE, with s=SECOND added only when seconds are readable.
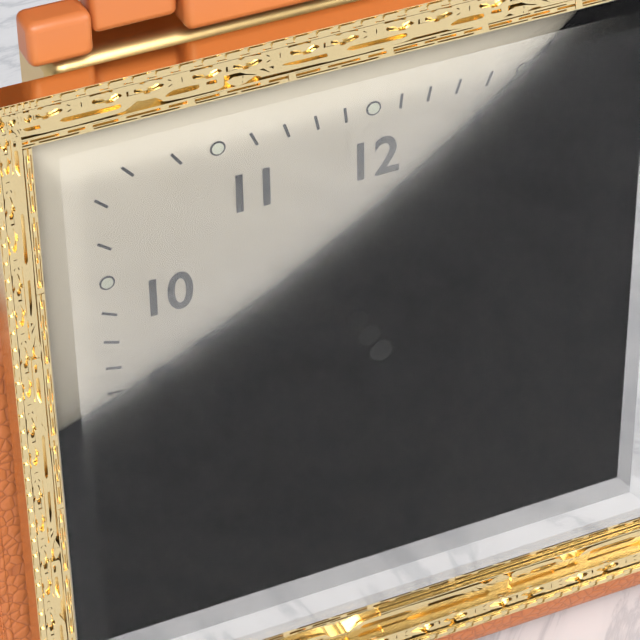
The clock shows h=9 m=27
